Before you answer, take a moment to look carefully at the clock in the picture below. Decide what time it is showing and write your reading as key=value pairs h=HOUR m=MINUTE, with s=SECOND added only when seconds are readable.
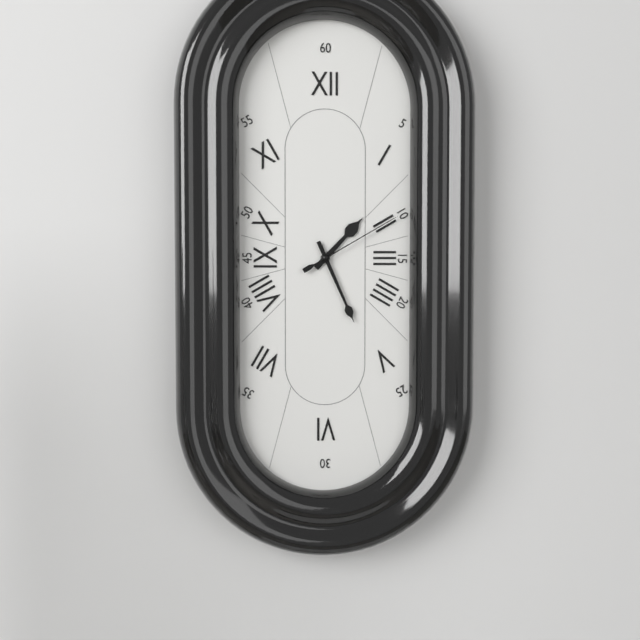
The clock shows h=1 m=26 s=10
